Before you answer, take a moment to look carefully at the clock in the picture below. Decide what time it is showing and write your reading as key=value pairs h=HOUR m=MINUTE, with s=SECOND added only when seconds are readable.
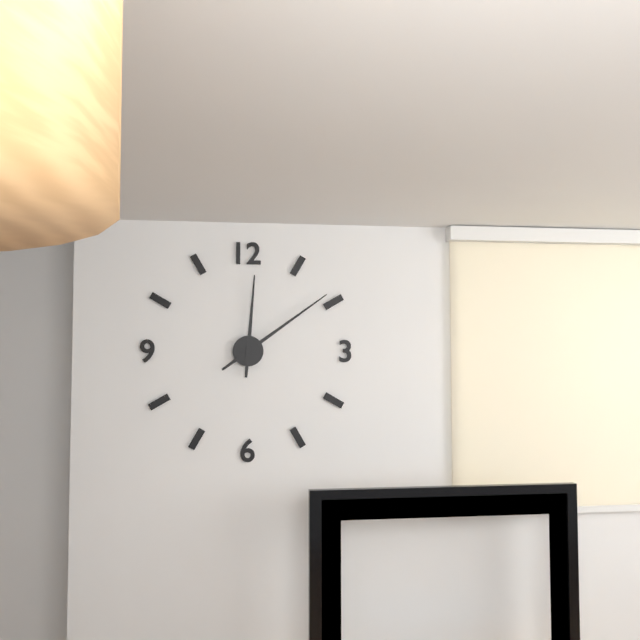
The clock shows h=12 m=9
